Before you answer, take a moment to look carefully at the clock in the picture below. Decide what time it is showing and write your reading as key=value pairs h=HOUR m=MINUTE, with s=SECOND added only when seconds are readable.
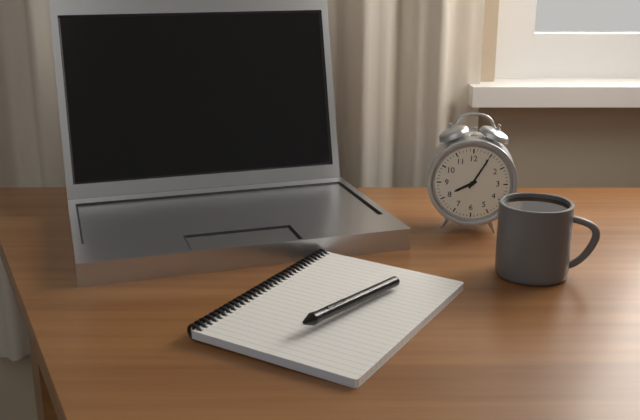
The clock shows h=8 m=5
